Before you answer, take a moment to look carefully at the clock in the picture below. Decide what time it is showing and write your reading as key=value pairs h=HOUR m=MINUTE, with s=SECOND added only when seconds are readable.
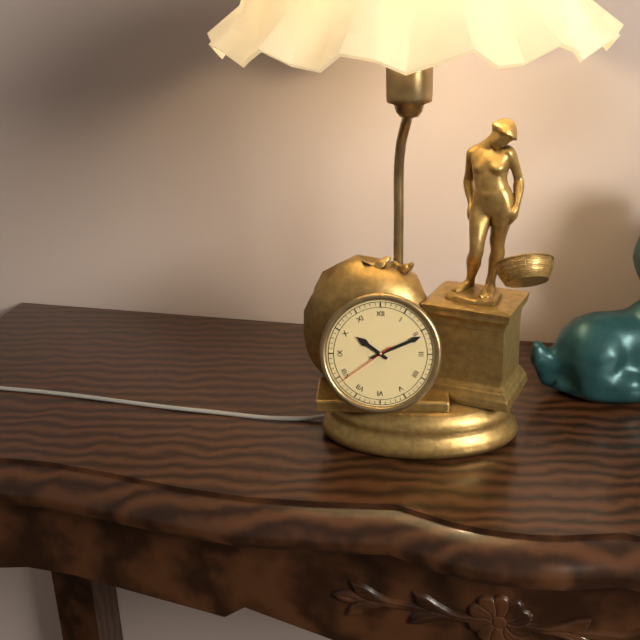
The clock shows h=10 m=11 s=39
